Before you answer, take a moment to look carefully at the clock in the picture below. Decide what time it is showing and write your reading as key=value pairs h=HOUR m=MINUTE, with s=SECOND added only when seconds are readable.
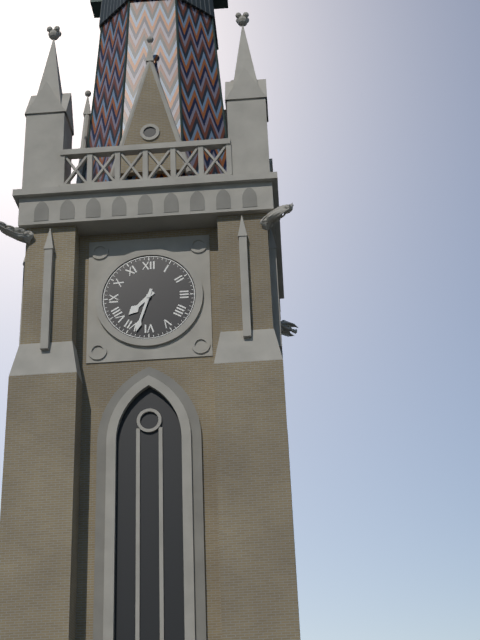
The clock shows h=7 m=33
